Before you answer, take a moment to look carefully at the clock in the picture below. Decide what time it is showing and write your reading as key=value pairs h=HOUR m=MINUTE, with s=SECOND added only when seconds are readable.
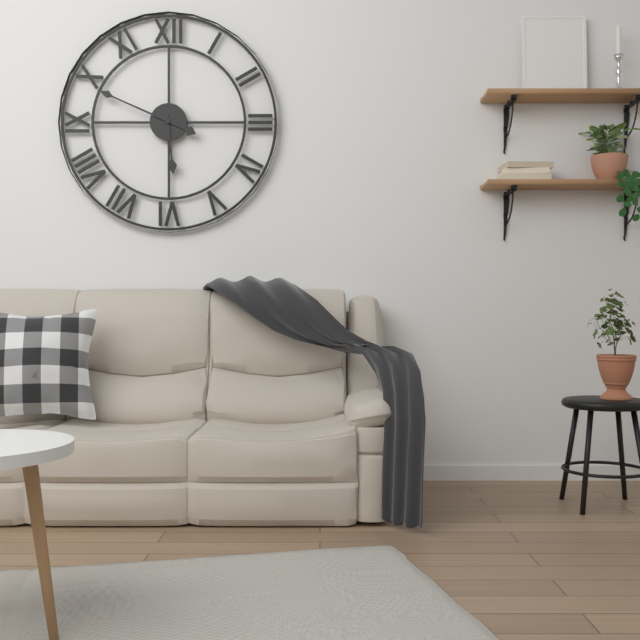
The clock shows h=5 m=49
